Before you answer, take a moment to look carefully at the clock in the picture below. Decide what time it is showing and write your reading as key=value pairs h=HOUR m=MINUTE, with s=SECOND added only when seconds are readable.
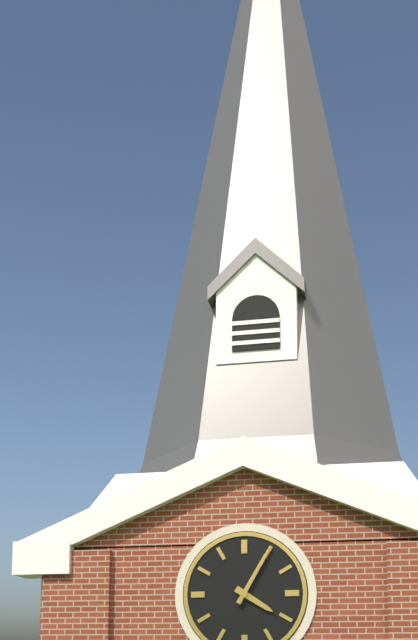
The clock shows h=4 m=5
